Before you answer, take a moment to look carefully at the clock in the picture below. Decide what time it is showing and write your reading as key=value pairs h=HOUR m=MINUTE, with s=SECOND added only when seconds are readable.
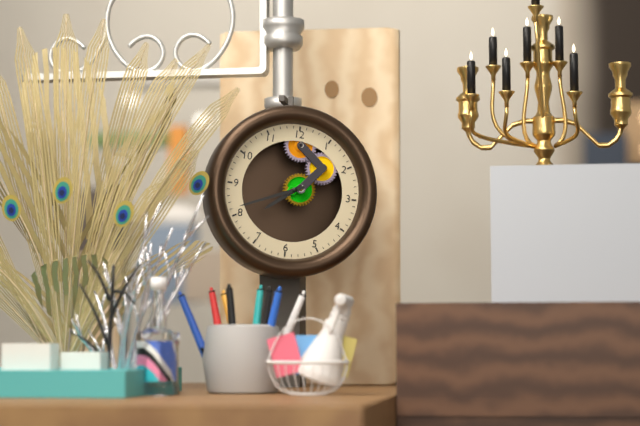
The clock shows h=7 m=41
